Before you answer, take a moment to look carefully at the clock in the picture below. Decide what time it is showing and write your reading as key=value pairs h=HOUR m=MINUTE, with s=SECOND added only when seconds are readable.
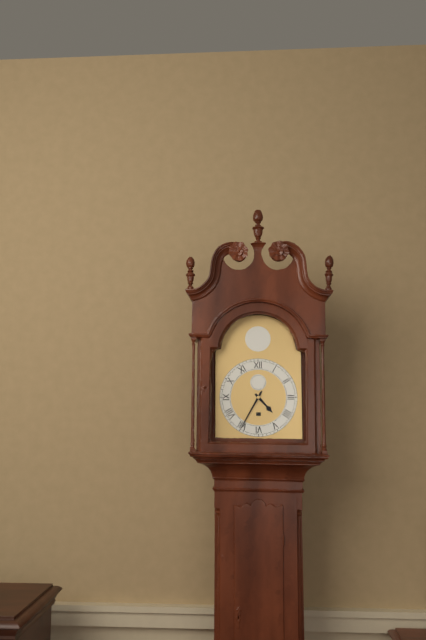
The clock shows h=4 m=35
